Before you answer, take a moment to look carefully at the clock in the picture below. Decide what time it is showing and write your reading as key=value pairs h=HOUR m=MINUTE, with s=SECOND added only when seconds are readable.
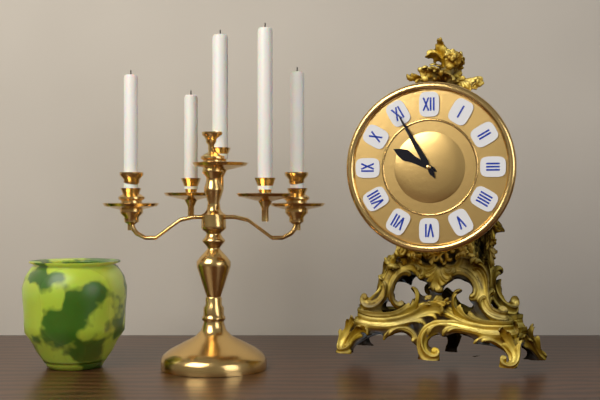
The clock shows h=9 m=55
